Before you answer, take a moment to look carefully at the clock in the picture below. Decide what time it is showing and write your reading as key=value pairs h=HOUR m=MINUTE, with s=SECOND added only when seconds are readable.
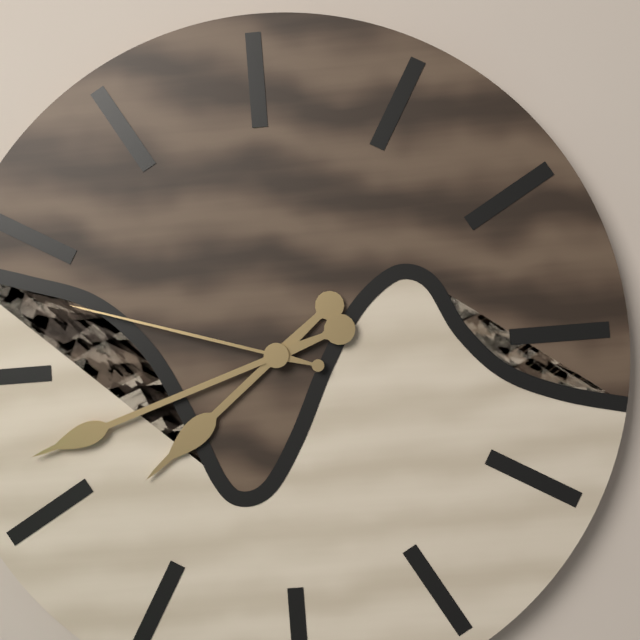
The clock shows h=7 m=42 s=48
